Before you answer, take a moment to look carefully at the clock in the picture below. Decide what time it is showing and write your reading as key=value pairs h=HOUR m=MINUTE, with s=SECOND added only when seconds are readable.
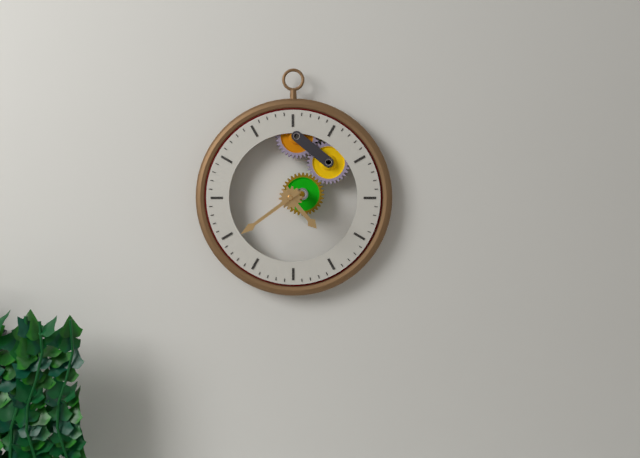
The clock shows h=4 m=39
